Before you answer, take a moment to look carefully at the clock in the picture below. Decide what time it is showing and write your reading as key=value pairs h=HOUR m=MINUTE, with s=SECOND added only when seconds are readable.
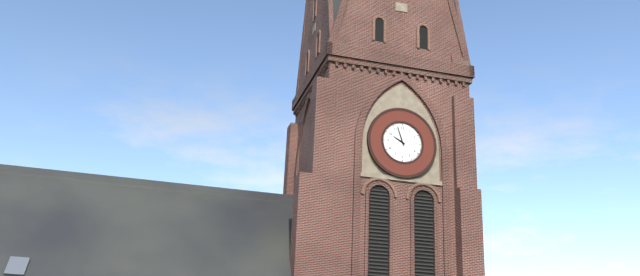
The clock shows h=9 m=57
